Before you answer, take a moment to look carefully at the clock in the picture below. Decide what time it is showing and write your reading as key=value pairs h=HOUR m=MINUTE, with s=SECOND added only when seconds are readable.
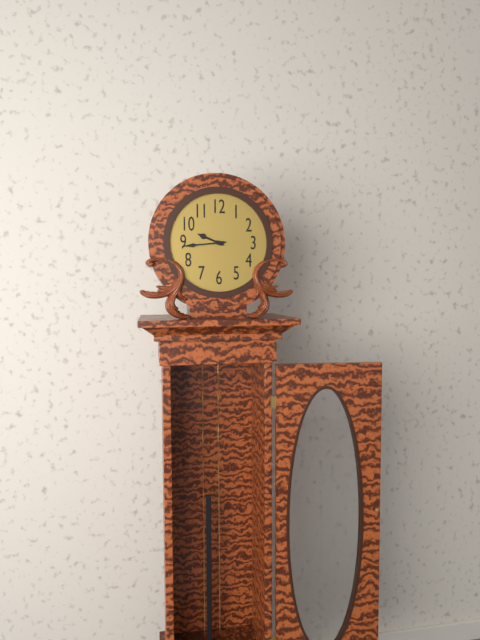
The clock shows h=9 m=44
